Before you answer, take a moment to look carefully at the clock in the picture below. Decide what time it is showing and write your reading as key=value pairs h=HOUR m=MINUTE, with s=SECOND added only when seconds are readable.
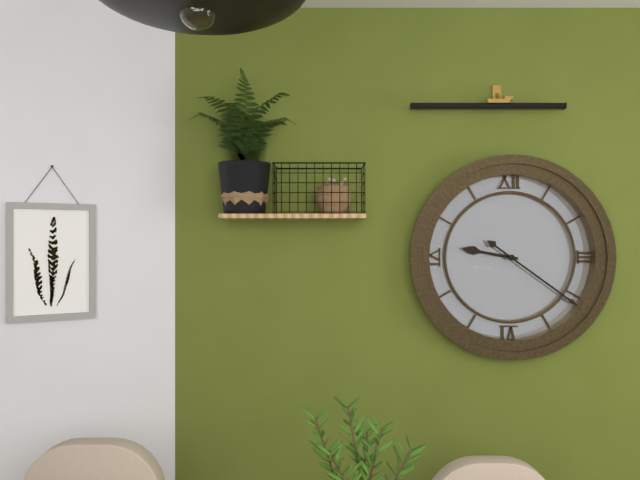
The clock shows h=9 m=21
